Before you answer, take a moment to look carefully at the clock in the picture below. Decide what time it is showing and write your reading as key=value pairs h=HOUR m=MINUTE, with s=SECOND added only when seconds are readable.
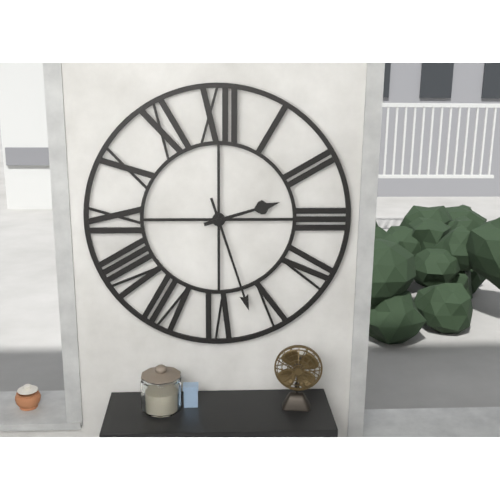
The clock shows h=2 m=27
